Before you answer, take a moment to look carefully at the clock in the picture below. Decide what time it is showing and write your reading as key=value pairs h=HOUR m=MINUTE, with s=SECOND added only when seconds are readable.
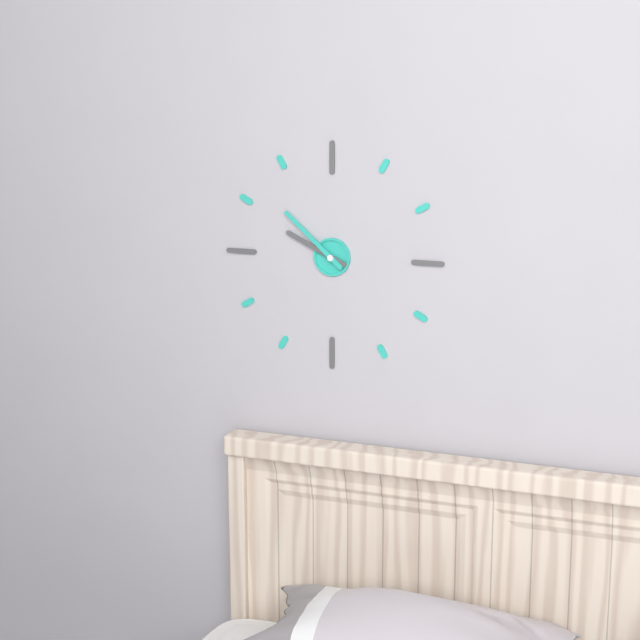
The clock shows h=9 m=52
